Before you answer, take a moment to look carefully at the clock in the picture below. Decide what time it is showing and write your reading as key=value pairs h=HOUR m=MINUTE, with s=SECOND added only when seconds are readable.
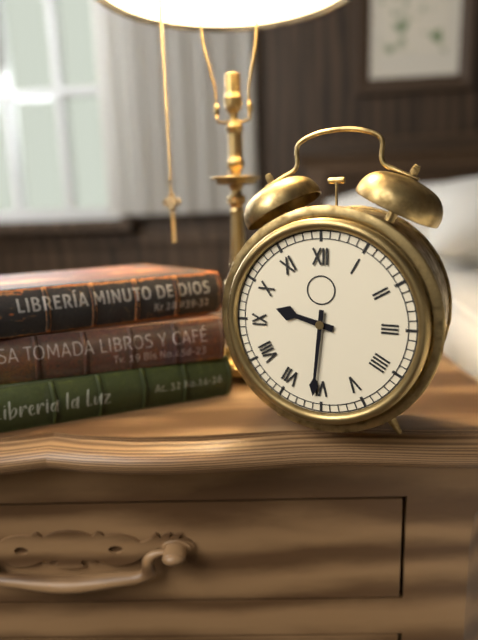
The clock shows h=9 m=31
